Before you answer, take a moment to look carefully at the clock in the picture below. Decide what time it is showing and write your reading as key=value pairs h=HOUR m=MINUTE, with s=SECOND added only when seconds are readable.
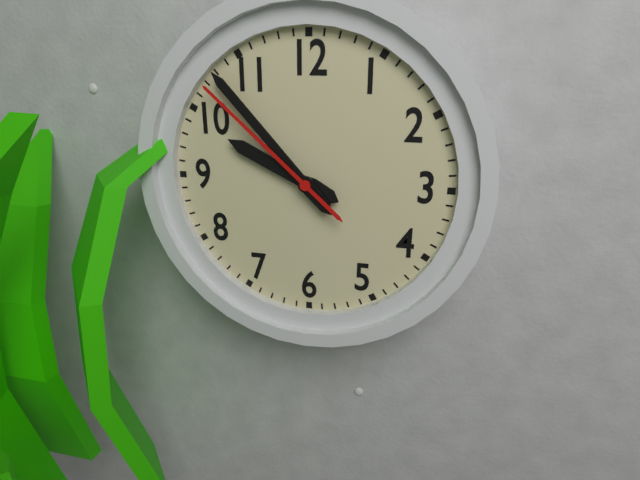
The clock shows h=9 m=53 s=52
